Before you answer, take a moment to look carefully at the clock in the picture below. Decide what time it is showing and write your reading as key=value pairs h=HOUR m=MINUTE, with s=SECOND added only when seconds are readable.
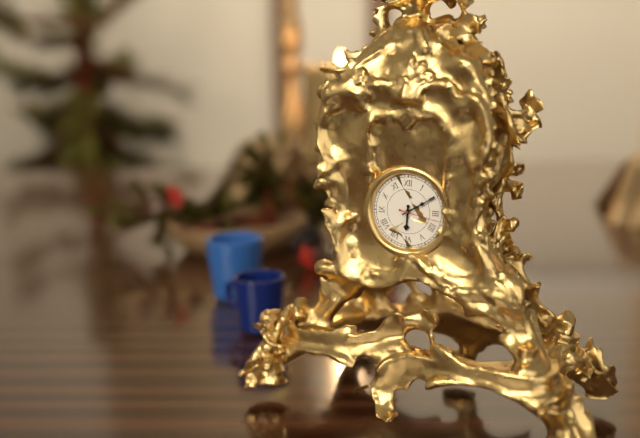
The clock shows h=6 m=10
